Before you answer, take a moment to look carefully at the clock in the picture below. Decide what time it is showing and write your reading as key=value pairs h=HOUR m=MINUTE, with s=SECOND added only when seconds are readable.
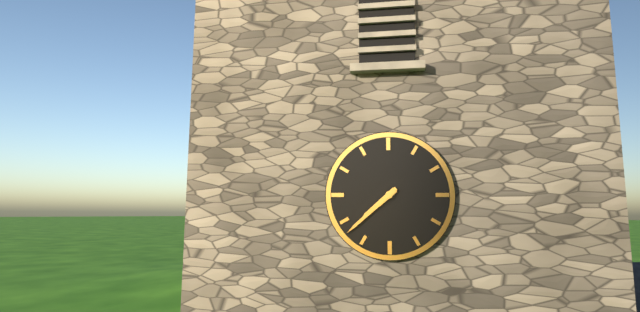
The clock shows h=7 m=38
